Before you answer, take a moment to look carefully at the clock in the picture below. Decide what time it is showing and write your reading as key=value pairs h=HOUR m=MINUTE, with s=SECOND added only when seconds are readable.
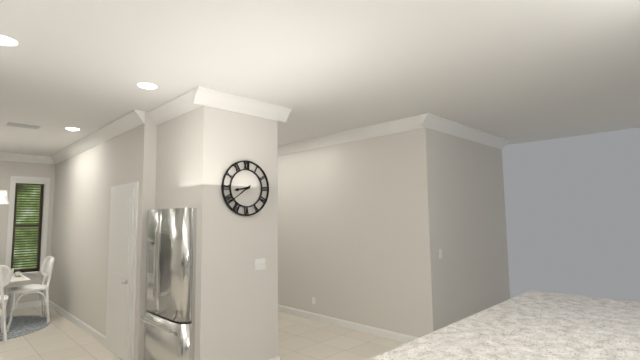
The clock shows h=8 m=39
